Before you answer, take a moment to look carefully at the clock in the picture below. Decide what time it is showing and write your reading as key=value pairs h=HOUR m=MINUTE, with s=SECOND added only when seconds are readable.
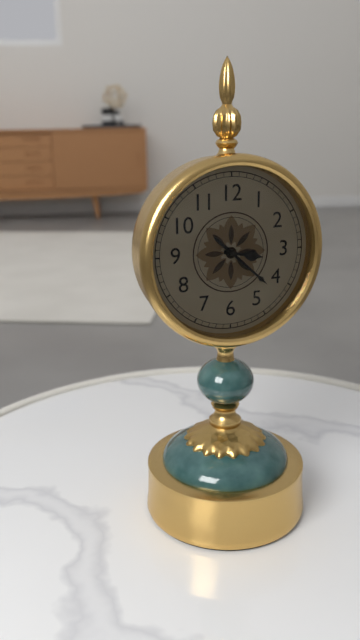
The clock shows h=3 m=22
